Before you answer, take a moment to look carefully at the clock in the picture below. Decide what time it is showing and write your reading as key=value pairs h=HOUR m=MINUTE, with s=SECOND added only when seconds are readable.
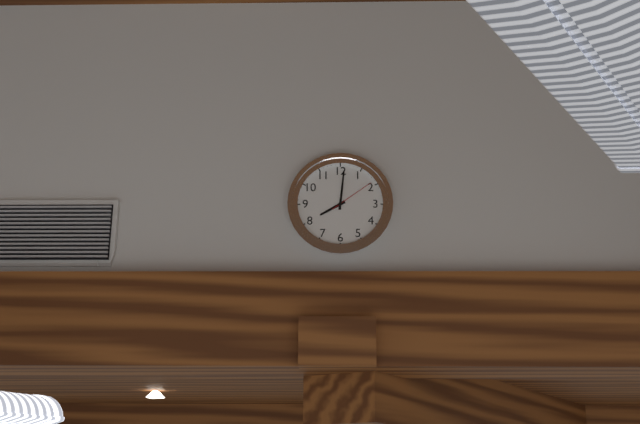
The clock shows h=8 m=1
